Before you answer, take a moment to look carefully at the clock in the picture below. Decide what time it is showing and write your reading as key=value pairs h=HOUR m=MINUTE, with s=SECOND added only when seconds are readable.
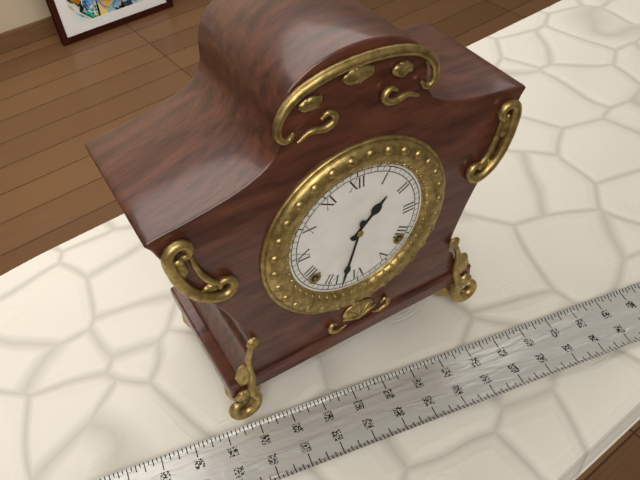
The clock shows h=1 m=33
